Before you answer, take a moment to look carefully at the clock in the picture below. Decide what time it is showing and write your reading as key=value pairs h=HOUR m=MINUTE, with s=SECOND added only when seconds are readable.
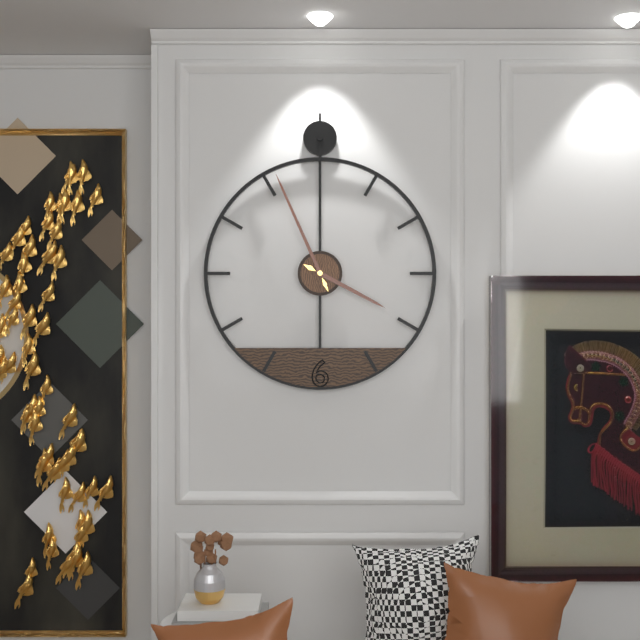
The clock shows h=3 m=56
